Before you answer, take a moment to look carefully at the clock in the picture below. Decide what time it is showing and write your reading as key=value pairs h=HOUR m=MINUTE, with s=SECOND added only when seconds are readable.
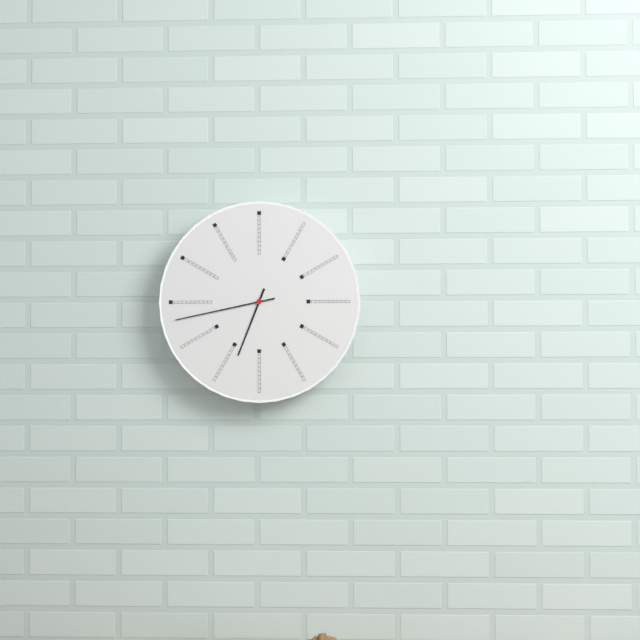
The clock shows h=6 m=43
